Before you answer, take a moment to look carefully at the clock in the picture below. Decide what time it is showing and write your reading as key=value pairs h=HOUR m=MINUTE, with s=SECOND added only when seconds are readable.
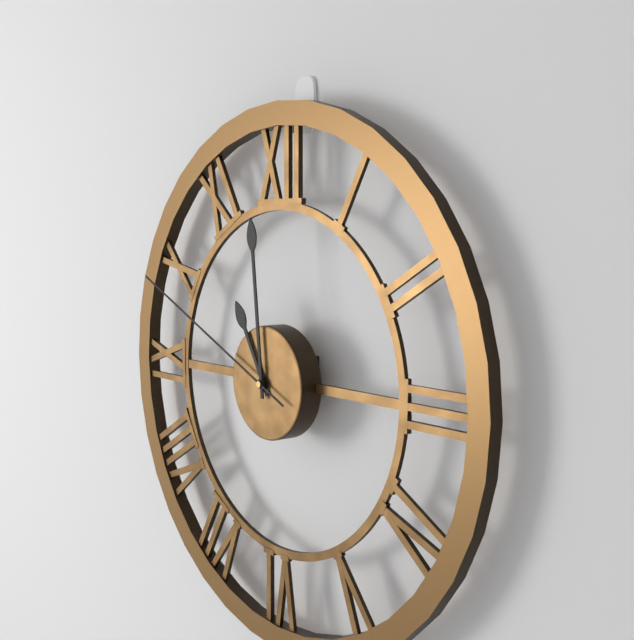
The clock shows h=10 m=59 s=49
